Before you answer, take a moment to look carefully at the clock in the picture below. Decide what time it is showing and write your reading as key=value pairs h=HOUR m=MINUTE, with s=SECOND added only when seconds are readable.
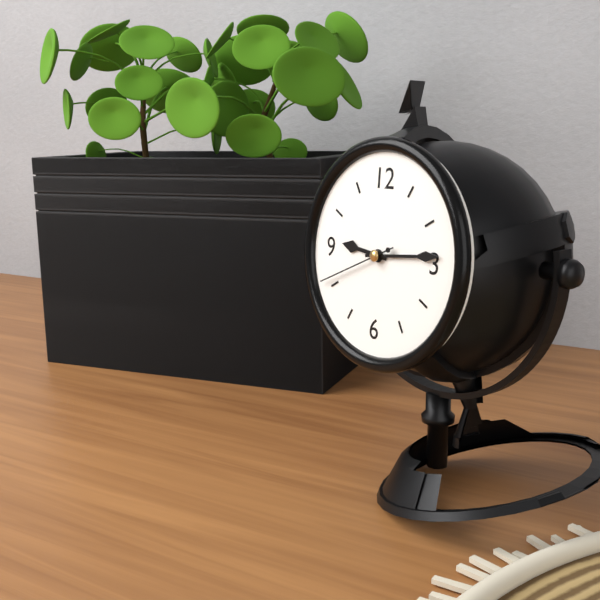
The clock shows h=9 m=14 s=41
